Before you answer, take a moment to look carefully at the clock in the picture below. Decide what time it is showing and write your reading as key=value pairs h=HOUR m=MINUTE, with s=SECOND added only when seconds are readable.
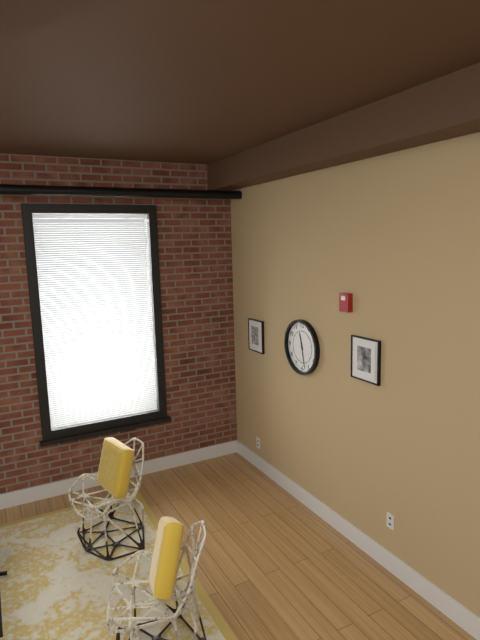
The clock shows h=11 m=28
